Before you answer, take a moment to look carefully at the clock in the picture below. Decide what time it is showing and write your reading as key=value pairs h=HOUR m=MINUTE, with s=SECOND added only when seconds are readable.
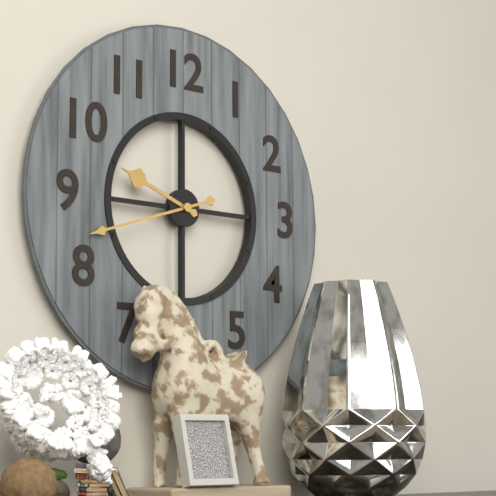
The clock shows h=9 m=42
